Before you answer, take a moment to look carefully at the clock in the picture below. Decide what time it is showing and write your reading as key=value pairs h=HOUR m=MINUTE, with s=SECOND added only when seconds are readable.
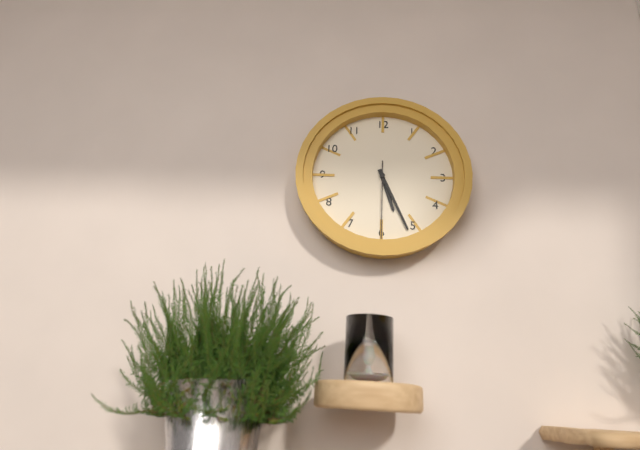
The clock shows h=5 m=26 s=30
